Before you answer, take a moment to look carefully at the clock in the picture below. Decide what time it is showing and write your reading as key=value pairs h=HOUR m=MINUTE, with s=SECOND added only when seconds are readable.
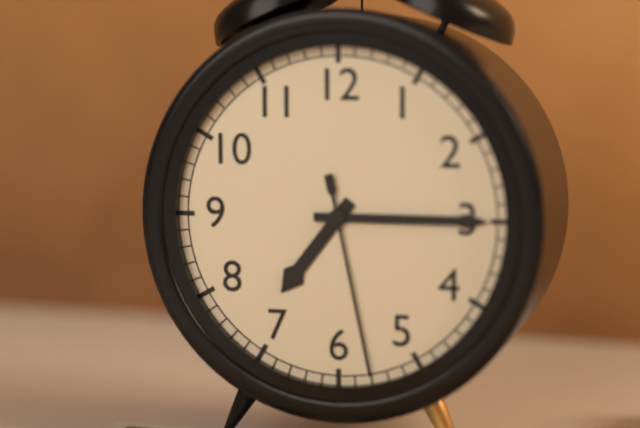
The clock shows h=7 m=15 s=28
